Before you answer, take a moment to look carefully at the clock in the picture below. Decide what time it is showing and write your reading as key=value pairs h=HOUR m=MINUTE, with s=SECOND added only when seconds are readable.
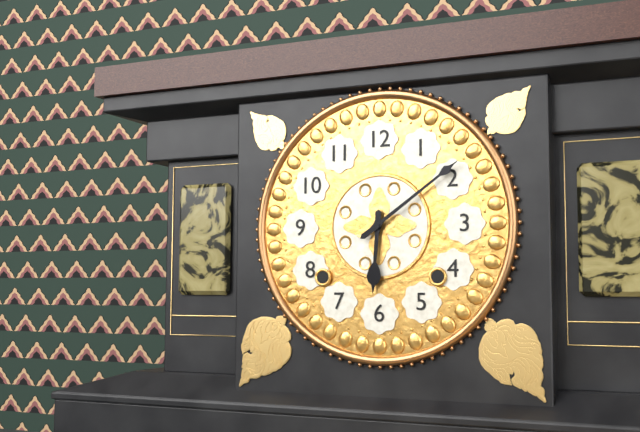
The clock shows h=6 m=9
